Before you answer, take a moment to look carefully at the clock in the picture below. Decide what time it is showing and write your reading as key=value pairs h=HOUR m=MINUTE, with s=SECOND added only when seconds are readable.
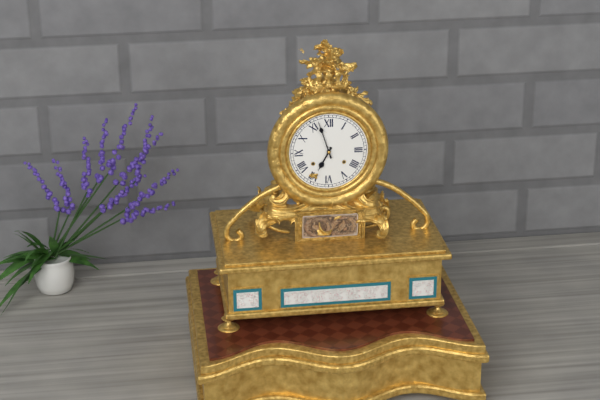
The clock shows h=6 m=57
